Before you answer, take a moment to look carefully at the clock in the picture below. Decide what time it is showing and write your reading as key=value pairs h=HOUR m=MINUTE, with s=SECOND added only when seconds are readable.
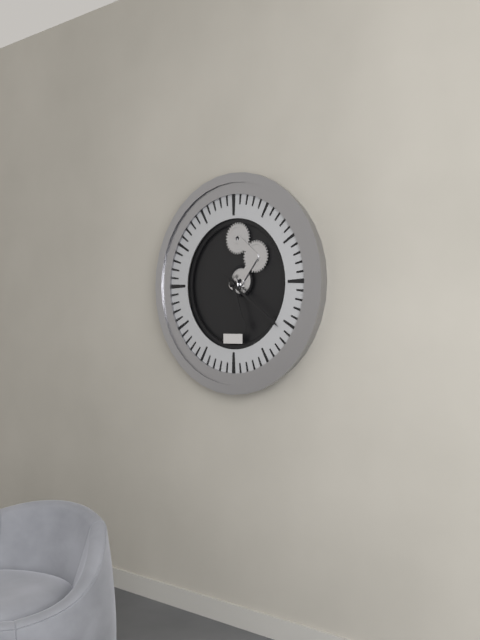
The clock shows h=5 m=21
